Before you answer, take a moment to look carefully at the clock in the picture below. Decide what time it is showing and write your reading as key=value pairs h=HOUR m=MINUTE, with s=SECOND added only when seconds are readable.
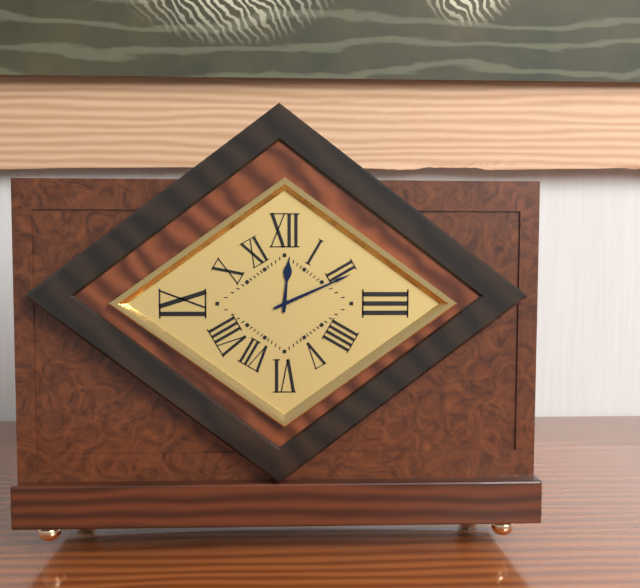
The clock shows h=12 m=11
